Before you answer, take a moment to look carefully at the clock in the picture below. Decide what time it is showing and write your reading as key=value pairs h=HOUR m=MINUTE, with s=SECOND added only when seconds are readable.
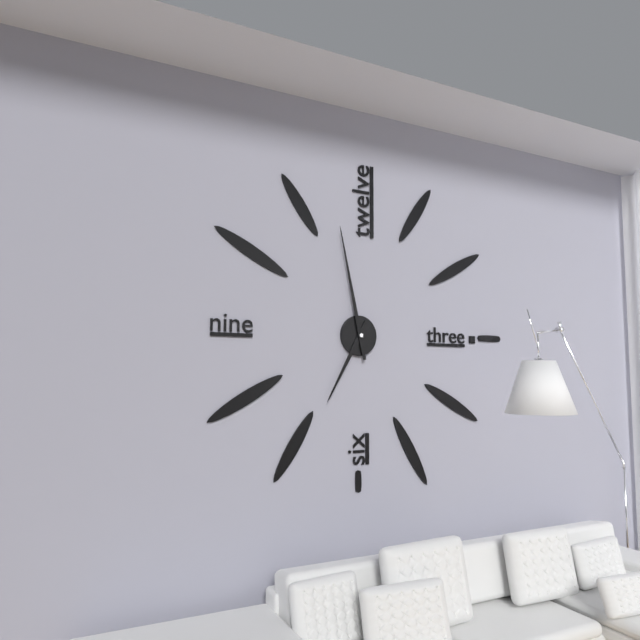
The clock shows h=6 m=58
